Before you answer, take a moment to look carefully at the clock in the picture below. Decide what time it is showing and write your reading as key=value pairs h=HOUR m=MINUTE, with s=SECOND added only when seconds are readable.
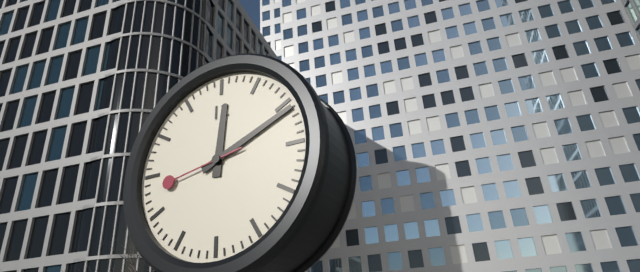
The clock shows h=12 m=11 s=43
